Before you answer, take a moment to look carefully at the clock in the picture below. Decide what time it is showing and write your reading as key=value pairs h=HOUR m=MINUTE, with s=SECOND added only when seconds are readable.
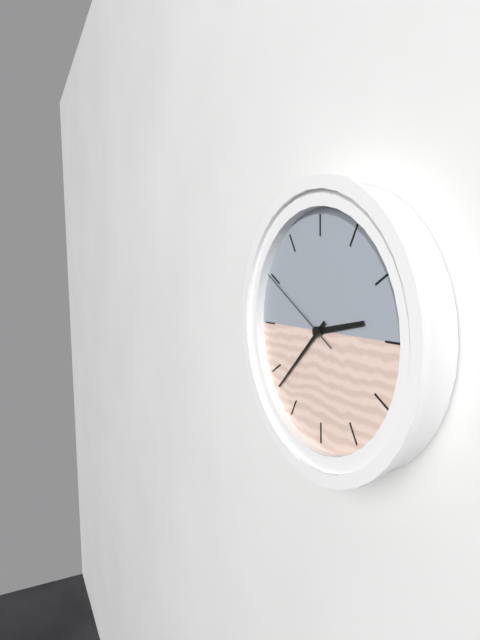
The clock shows h=2 m=38 s=50
